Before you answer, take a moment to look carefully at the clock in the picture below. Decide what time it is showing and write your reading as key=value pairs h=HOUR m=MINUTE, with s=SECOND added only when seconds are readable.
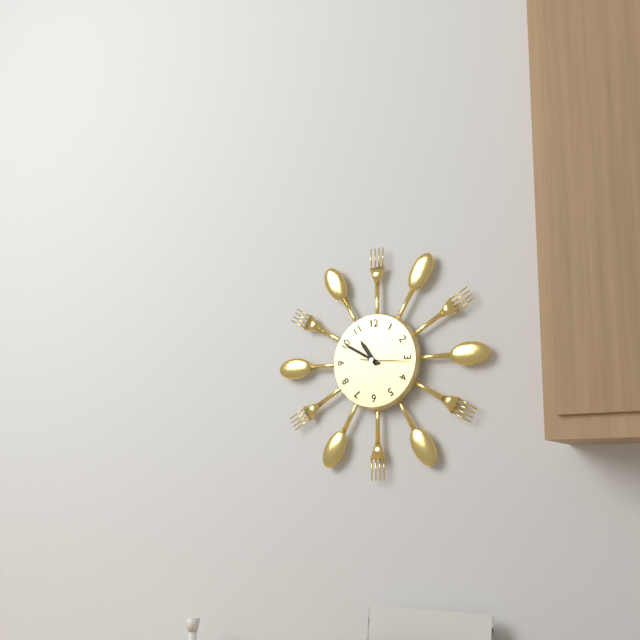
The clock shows h=10 m=50
